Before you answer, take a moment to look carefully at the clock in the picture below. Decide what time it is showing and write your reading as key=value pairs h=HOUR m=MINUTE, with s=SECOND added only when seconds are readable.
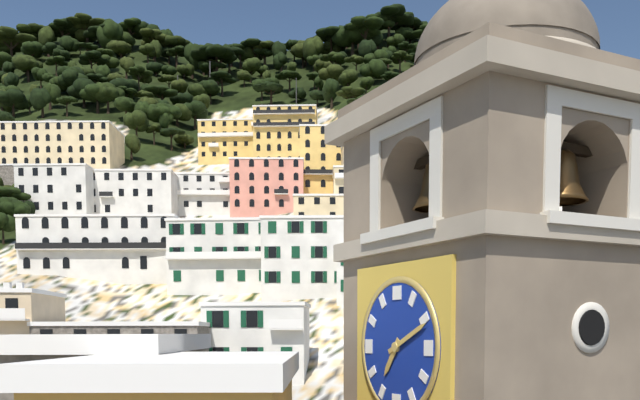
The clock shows h=7 m=11
